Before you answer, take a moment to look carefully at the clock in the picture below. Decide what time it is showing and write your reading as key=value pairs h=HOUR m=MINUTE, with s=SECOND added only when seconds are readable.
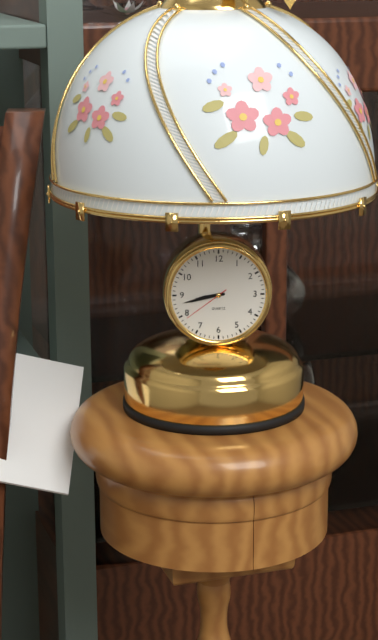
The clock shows h=8 m=43
